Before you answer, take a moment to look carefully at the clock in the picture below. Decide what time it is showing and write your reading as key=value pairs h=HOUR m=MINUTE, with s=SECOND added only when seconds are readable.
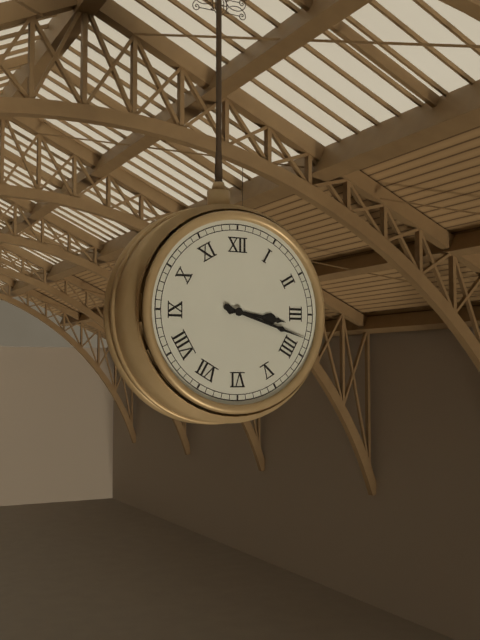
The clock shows h=3 m=18
